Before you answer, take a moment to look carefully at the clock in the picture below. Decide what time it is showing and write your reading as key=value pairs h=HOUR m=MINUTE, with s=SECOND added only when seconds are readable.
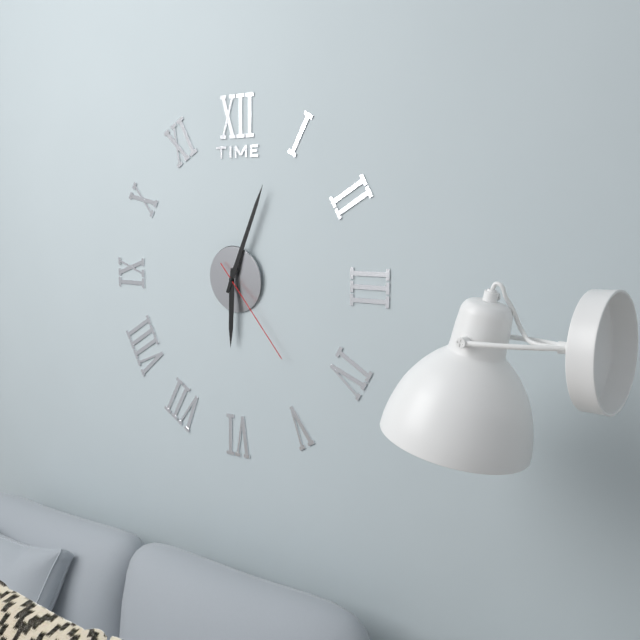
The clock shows h=6 m=4 s=23
